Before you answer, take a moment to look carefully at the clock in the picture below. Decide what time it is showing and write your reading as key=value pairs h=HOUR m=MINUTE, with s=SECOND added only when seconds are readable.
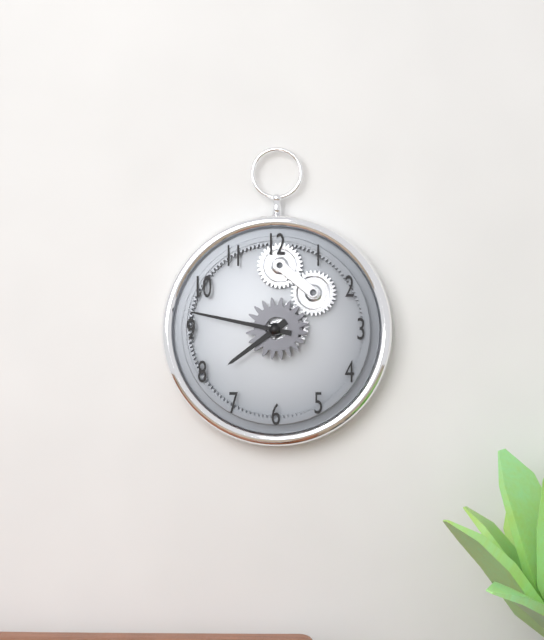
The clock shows h=7 m=47
